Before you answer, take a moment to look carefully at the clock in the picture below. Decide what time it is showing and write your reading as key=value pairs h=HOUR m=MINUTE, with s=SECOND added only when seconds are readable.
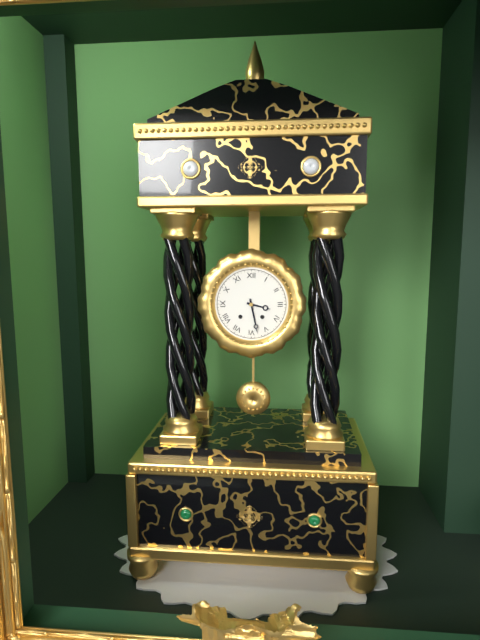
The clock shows h=3 m=28
